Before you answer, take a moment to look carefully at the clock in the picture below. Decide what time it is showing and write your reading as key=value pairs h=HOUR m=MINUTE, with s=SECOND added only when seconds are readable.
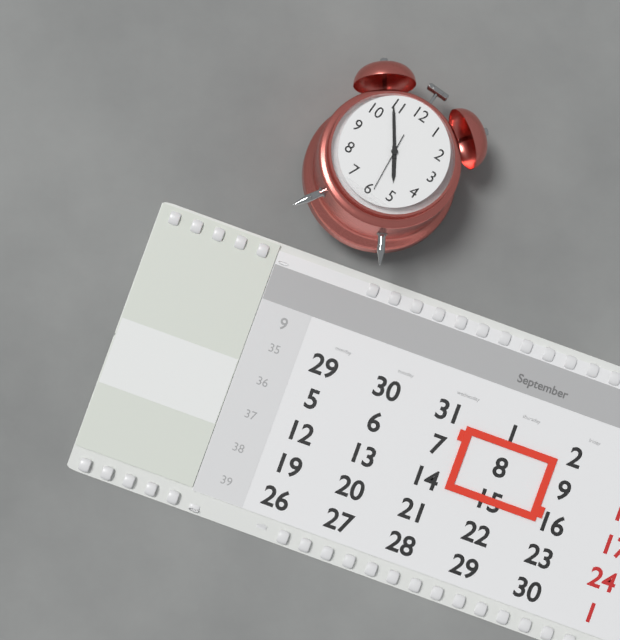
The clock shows h=4 m=54 s=29
